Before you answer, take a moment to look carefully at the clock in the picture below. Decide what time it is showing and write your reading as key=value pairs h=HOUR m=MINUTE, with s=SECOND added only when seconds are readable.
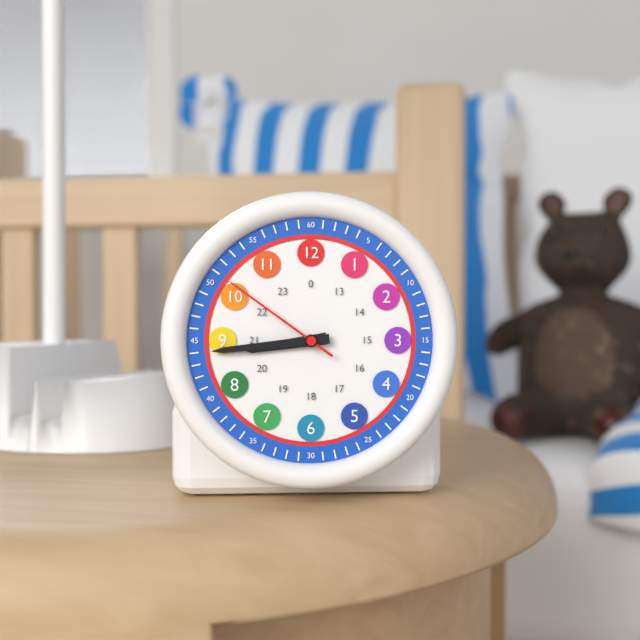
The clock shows h=8 m=44 s=51
